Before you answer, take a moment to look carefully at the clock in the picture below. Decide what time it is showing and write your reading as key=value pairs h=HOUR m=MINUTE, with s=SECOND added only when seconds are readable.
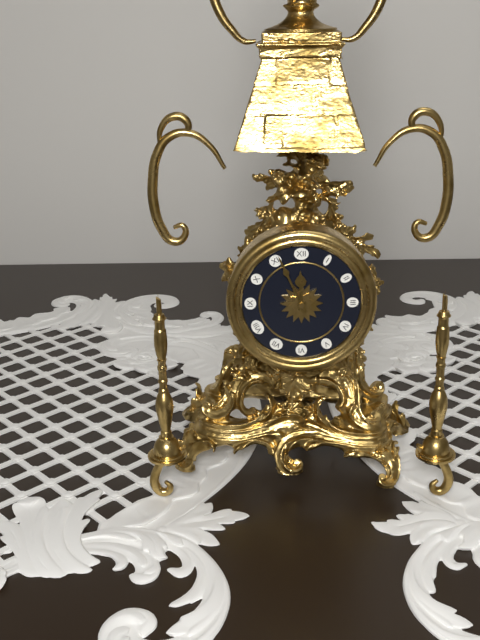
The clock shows h=11 m=56
